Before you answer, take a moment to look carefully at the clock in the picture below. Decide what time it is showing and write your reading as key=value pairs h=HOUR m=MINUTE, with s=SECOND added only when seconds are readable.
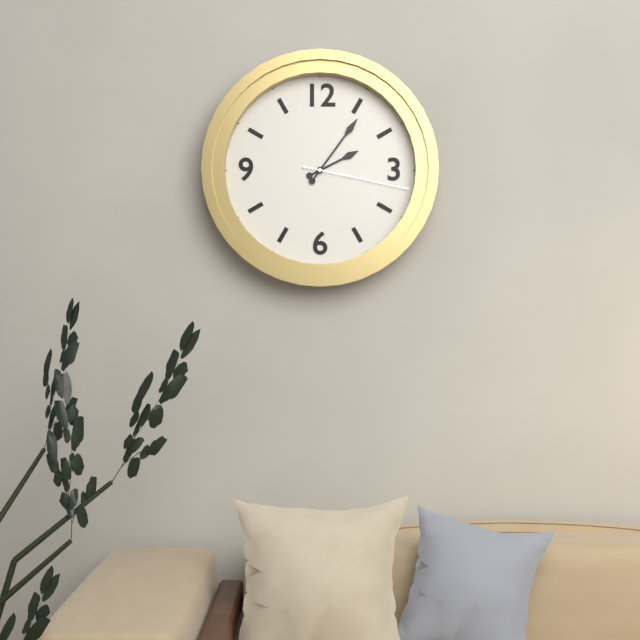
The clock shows h=2 m=6 s=17
